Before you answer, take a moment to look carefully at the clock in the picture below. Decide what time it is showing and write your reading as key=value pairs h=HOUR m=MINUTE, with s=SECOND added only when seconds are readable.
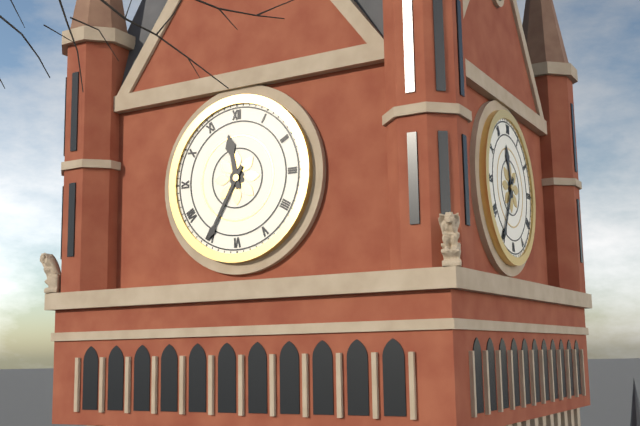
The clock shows h=11 m=35
